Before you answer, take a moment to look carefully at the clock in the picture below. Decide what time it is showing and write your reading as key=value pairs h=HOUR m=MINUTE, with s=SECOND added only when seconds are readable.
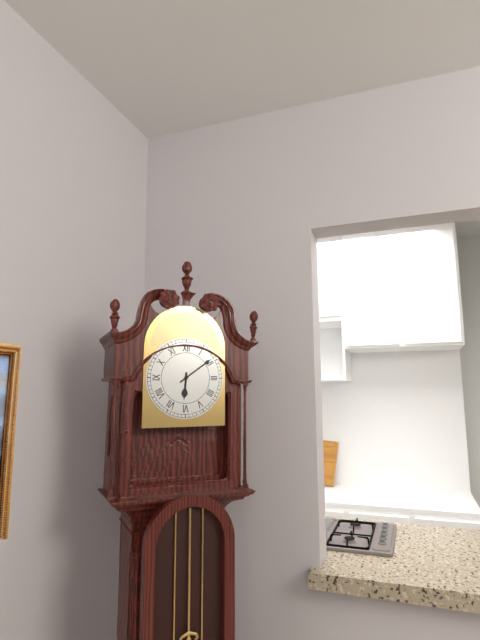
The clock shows h=6 m=9
